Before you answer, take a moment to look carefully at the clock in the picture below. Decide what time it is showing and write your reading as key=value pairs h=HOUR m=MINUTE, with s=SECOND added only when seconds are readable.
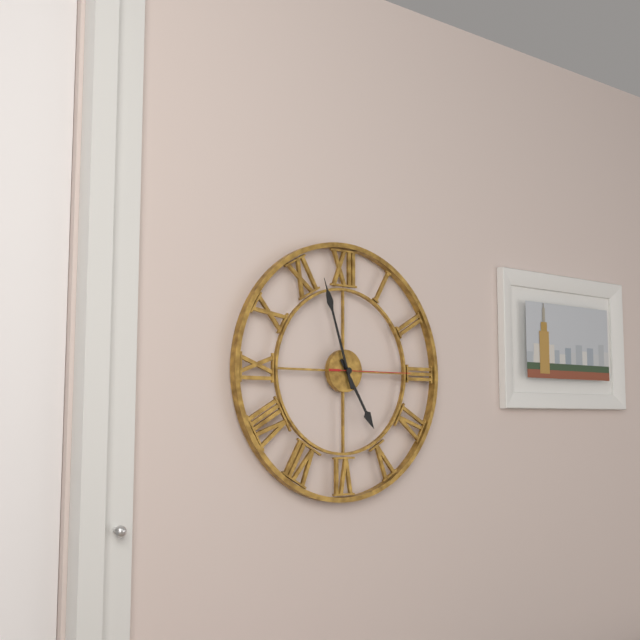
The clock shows h=4 m=57 s=15
